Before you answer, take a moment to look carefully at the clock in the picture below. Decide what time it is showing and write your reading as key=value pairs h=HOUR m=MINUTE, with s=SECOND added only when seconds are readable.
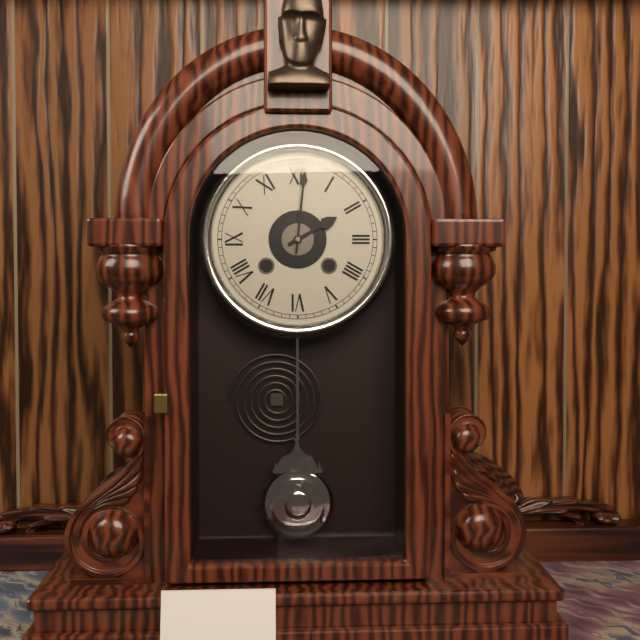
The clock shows h=2 m=1
